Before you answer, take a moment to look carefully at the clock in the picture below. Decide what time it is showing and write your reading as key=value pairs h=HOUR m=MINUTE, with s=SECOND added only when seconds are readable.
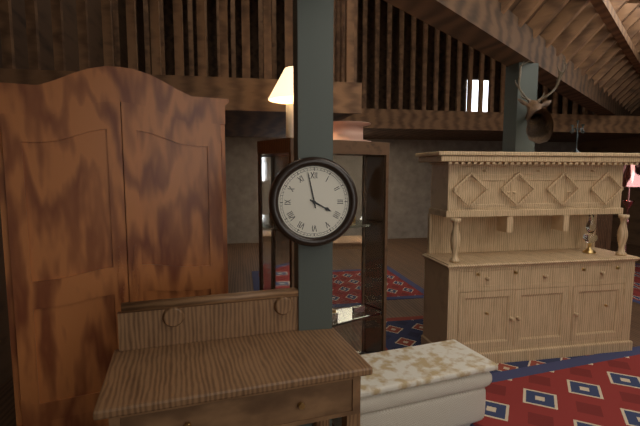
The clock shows h=3 m=58
